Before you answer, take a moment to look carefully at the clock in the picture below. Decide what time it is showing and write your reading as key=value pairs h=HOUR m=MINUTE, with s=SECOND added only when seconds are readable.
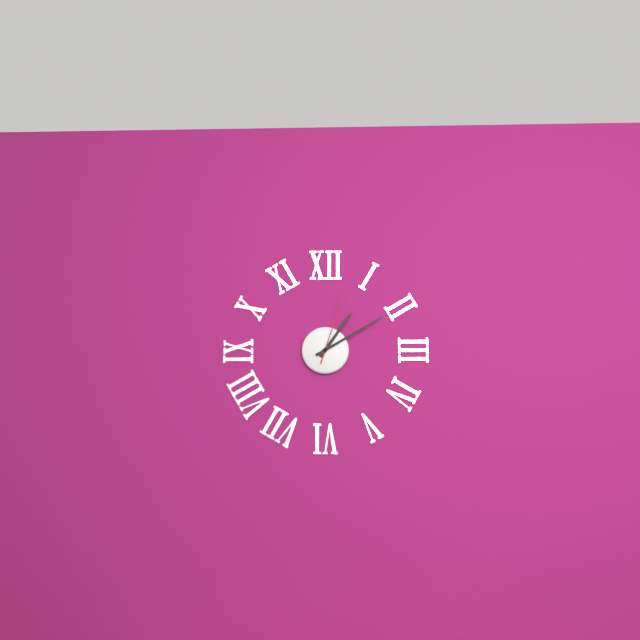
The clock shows h=1 m=10 s=3
